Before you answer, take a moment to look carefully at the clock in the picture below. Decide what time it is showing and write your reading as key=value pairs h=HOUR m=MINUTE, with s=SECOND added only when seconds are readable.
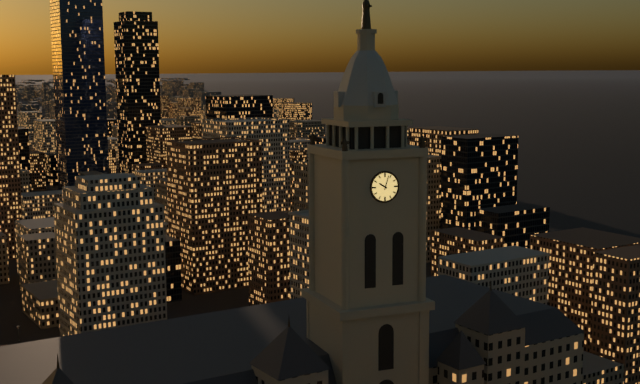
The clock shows h=10 m=3
